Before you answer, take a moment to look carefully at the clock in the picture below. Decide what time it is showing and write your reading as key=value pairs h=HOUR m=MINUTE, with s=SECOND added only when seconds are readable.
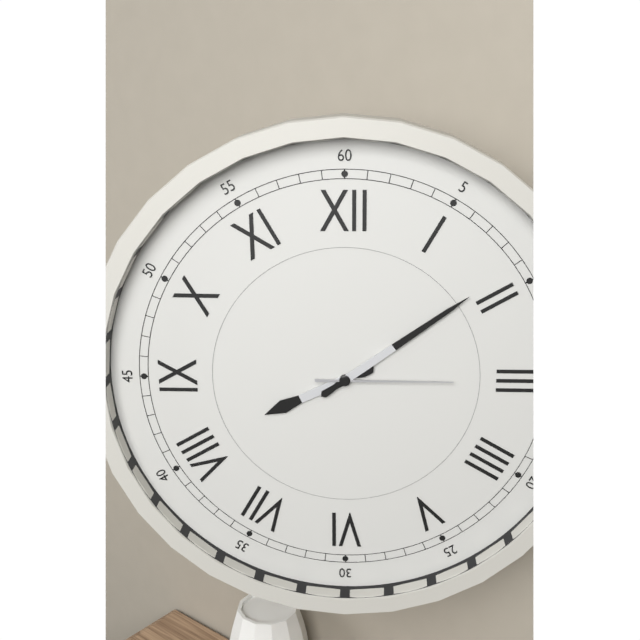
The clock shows h=8 m=9 s=15
